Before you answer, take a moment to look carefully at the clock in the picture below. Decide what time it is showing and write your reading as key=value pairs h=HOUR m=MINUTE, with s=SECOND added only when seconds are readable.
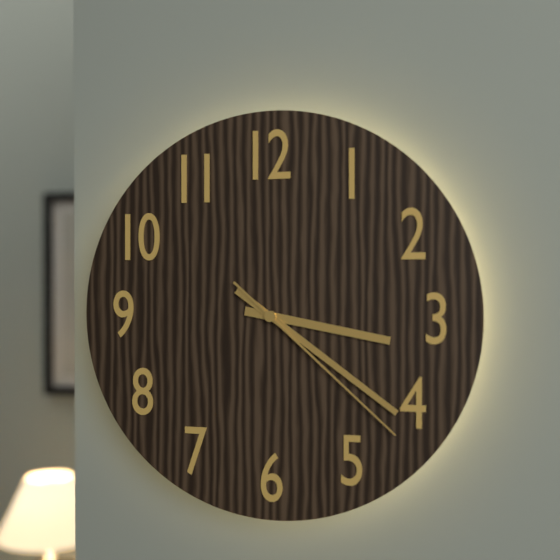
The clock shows h=3 m=21 s=22
